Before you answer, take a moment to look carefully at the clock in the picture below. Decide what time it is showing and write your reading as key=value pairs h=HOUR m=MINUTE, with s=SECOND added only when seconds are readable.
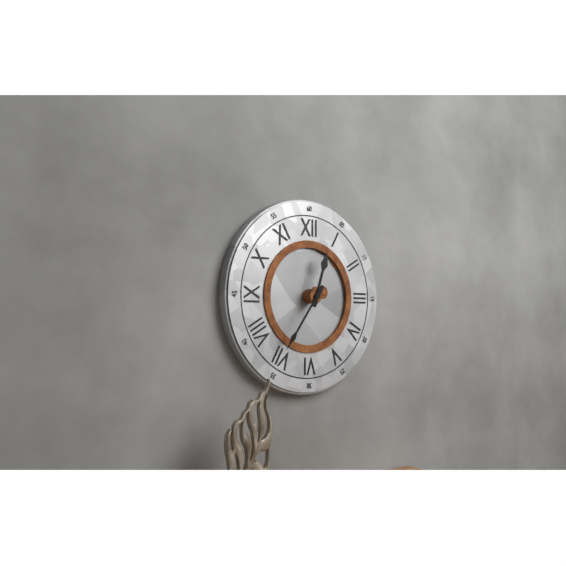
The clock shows h=12 m=36
